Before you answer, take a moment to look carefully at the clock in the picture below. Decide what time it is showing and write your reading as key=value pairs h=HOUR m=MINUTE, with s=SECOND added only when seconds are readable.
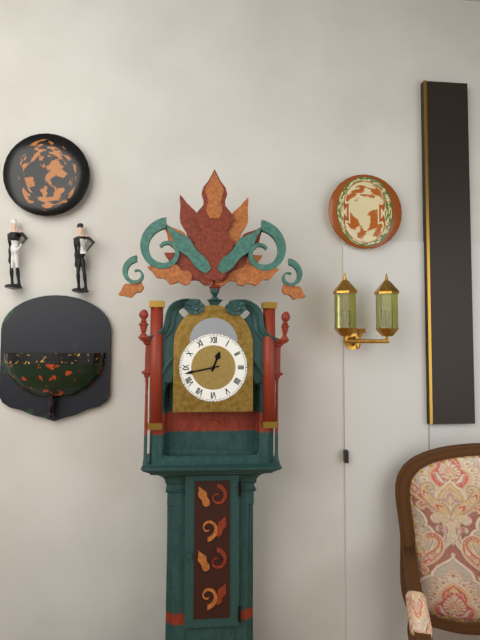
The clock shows h=12 m=43
